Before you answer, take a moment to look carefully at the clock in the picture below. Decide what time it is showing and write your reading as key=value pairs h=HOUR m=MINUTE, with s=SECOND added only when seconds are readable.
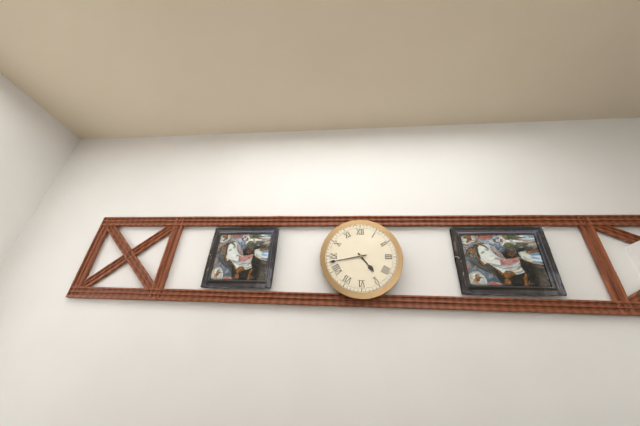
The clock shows h=4 m=43
